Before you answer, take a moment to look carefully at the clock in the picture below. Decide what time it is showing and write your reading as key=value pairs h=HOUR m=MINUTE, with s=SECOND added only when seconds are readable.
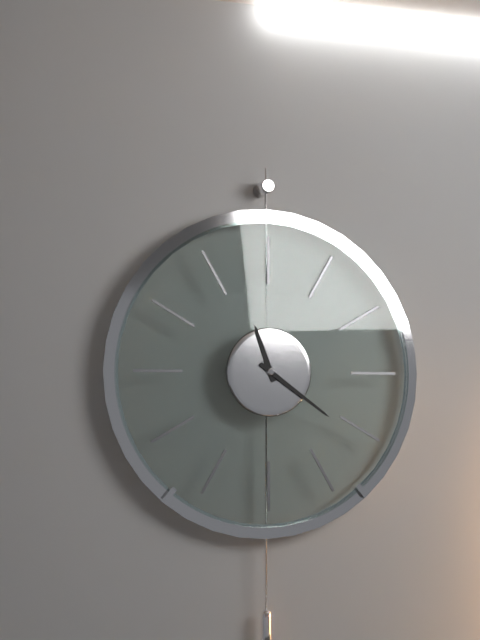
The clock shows h=11 m=21
